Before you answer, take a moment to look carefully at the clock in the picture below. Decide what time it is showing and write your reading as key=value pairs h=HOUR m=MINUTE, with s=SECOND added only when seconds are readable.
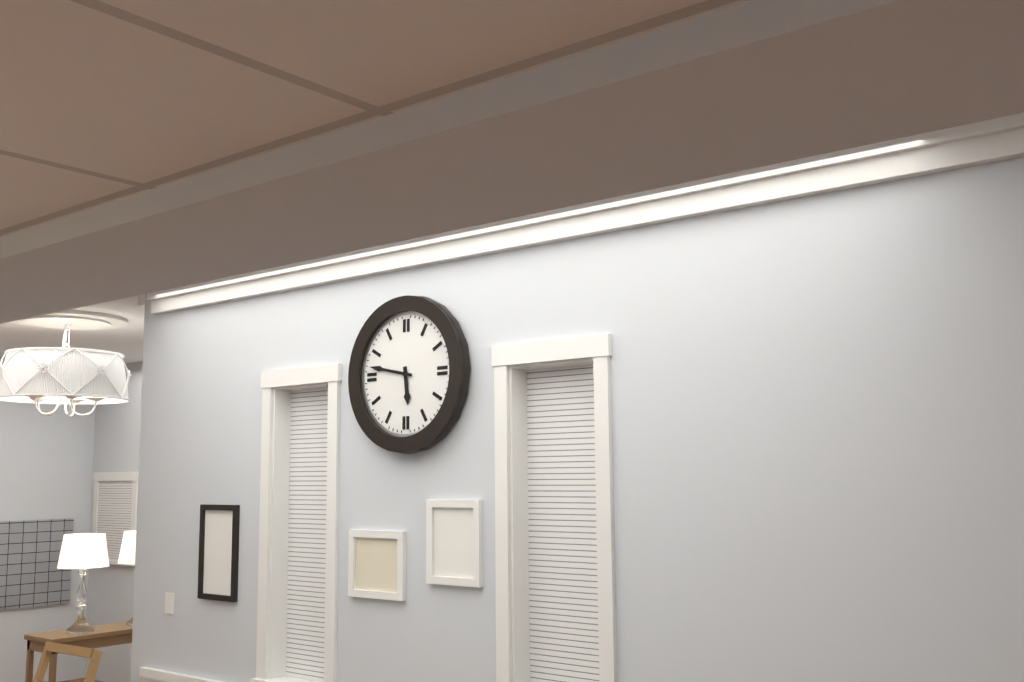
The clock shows h=5 m=47
